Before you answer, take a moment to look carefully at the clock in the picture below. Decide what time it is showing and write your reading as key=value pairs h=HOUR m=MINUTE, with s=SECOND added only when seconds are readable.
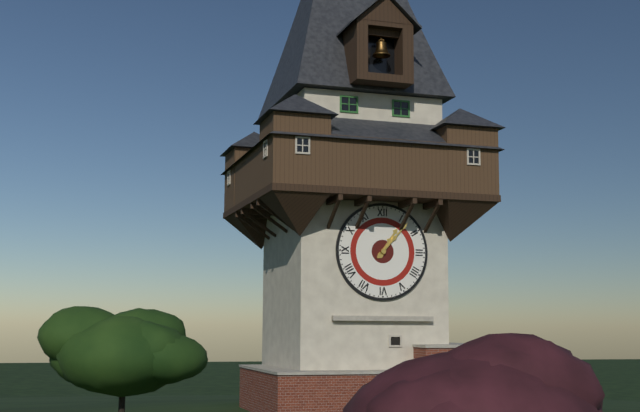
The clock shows h=1 m=7
